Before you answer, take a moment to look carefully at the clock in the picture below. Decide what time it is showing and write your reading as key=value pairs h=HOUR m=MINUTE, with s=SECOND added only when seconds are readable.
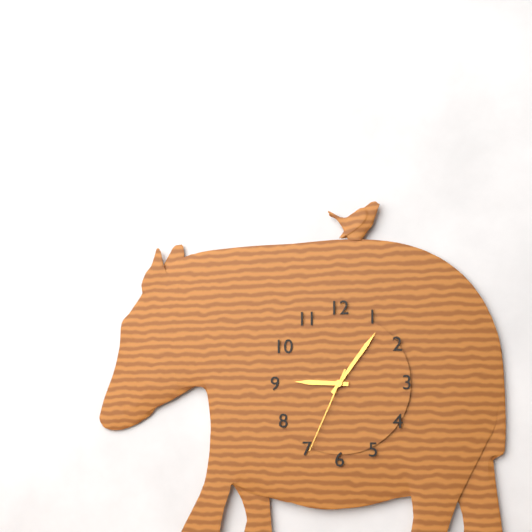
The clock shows h=9 m=6 s=34
